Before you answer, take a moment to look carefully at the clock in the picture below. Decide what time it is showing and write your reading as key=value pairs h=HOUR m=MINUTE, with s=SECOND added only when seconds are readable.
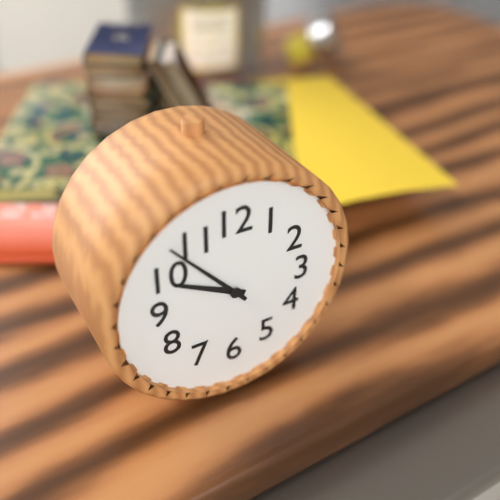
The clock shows h=9 m=53
